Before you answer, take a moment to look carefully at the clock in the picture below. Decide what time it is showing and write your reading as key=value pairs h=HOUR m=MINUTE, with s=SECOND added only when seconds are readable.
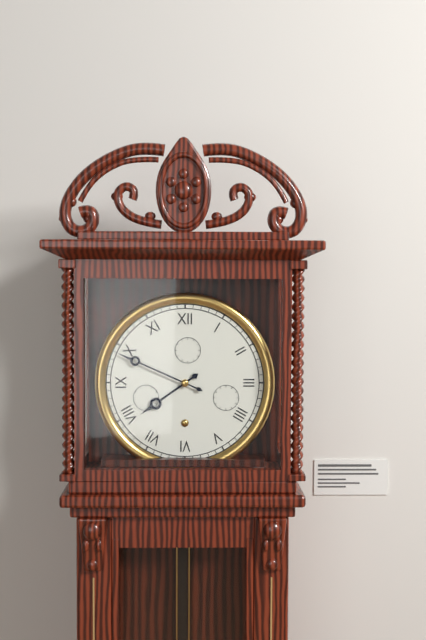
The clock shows h=7 m=49
